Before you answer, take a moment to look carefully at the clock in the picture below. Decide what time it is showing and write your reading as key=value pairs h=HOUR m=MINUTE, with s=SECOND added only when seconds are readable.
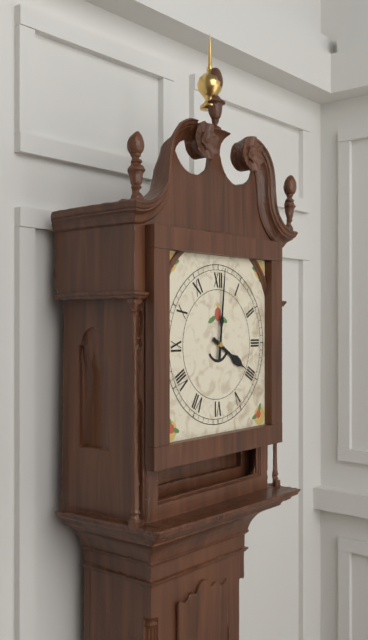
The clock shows h=4 m=1
